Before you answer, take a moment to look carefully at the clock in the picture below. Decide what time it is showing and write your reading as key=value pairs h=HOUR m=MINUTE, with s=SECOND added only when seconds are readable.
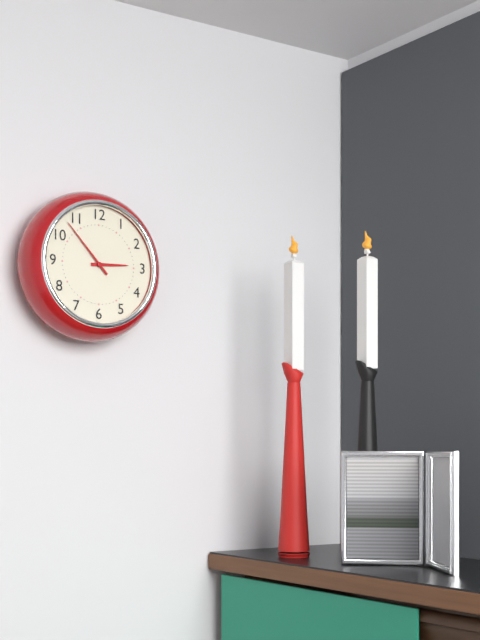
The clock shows h=2 m=53
